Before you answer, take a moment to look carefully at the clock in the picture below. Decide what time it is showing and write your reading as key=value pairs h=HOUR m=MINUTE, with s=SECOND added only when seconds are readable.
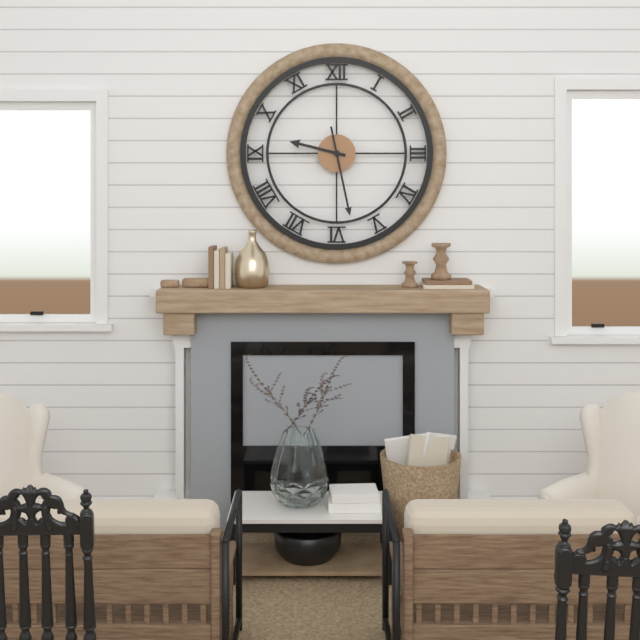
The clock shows h=9 m=28
